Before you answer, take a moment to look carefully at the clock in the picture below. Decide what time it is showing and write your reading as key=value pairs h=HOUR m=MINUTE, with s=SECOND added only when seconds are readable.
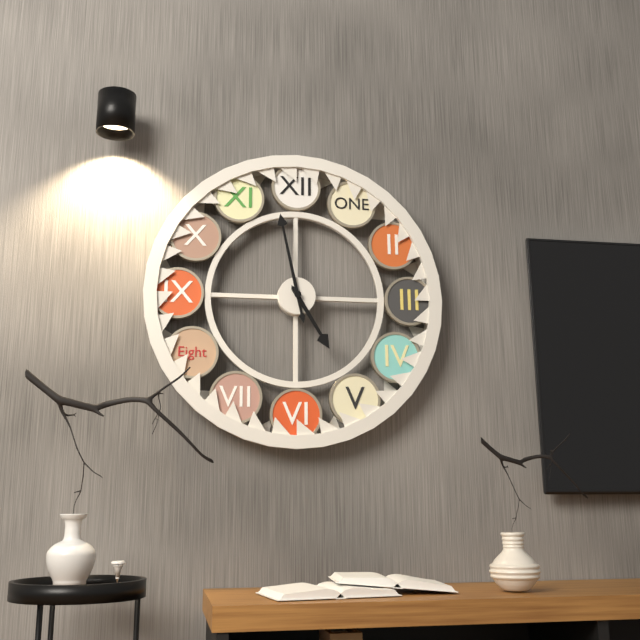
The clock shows h=4 m=58
